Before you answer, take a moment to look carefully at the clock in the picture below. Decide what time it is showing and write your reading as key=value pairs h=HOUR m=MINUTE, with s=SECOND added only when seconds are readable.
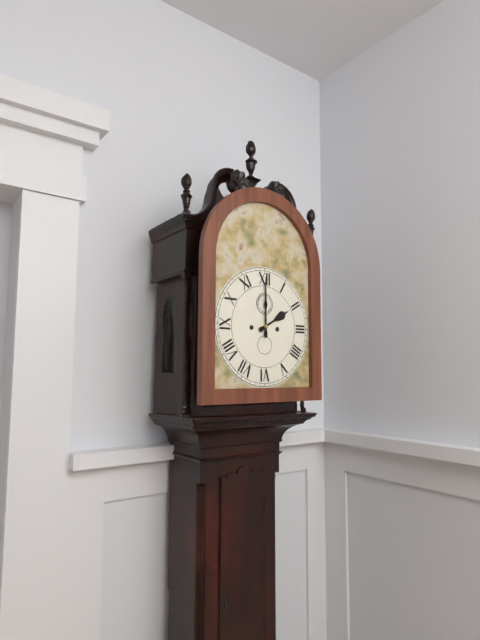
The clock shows h=2 m=0
